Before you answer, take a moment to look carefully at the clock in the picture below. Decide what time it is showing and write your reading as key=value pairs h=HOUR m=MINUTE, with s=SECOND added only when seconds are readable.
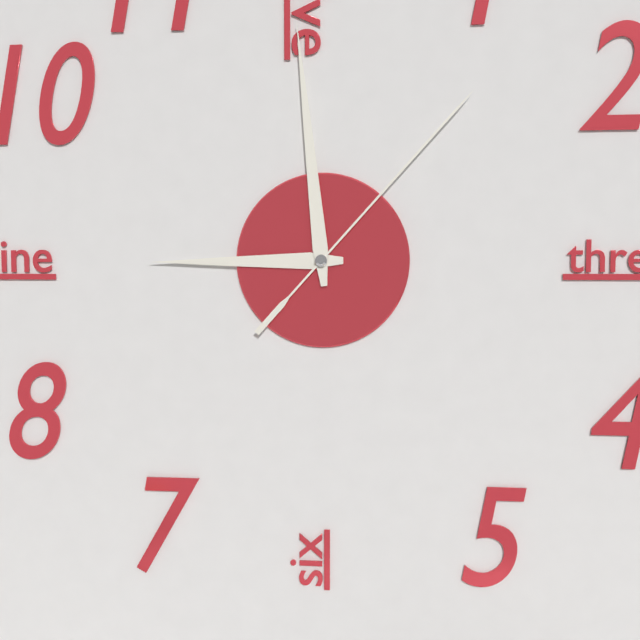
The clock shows h=8 m=59 s=7
